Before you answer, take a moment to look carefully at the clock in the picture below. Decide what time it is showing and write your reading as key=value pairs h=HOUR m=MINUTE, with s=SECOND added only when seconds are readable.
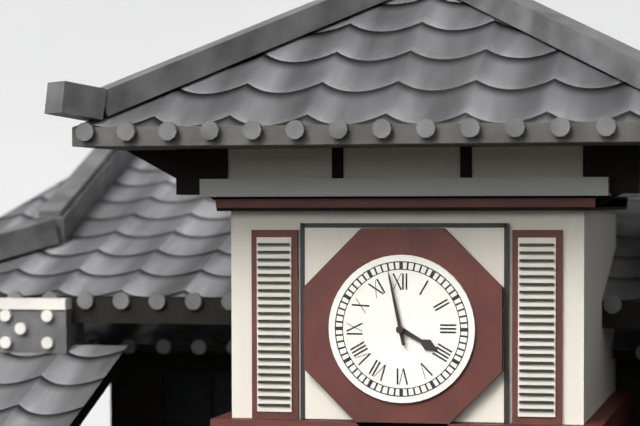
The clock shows h=3 m=58
